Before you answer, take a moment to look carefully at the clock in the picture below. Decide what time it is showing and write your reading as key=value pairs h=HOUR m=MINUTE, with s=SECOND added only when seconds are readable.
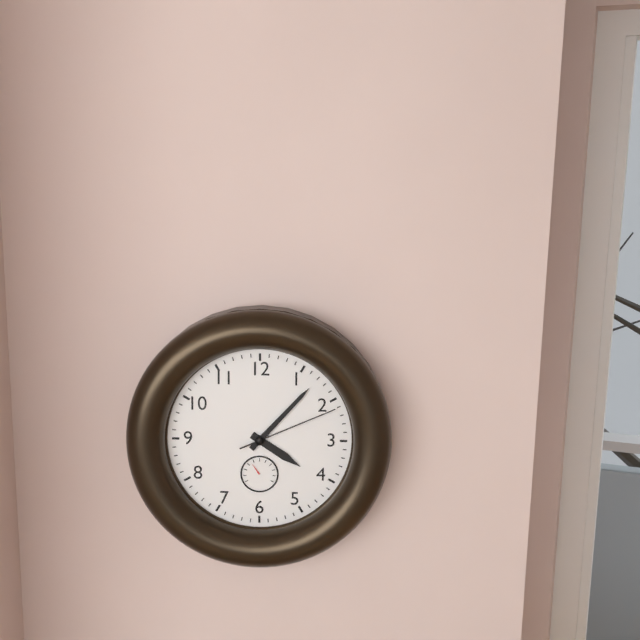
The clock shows h=4 m=7 s=11
